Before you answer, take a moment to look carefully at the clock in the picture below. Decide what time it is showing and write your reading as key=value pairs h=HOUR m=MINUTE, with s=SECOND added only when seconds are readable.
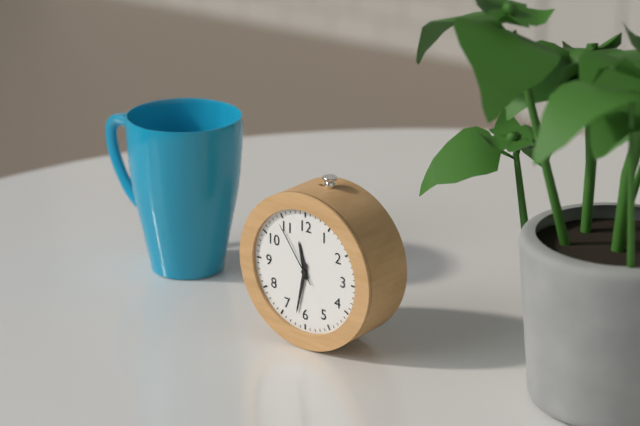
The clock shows h=11 m=32 s=54
